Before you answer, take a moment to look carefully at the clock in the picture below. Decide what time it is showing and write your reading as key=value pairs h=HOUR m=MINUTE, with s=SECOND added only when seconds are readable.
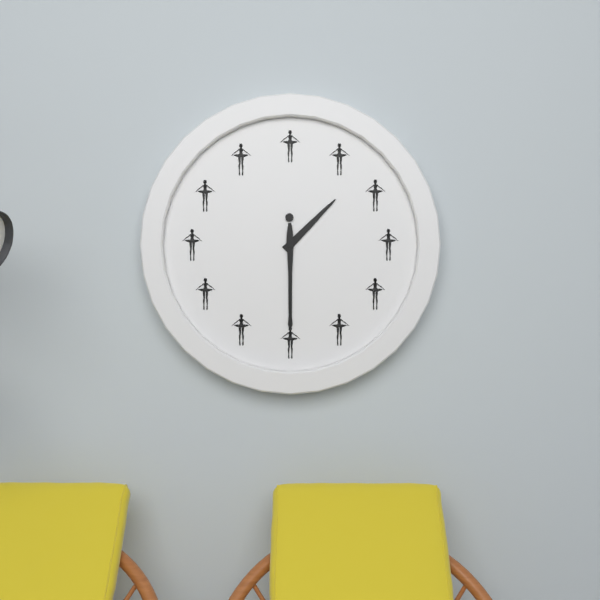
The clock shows h=1 m=30
